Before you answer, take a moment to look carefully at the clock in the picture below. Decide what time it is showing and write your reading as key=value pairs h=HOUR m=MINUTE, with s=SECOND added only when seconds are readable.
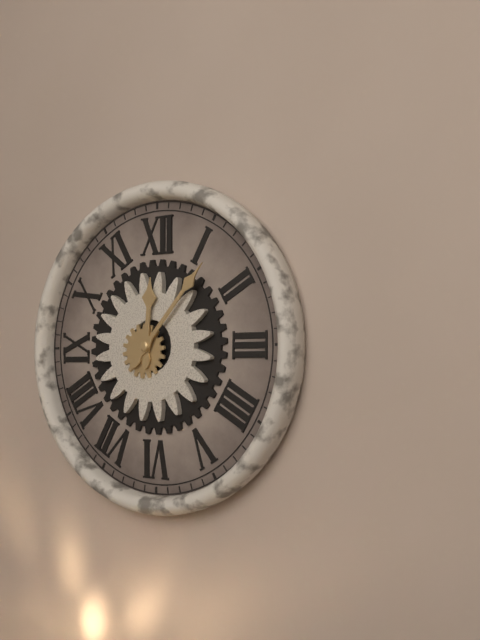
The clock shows h=12 m=7
